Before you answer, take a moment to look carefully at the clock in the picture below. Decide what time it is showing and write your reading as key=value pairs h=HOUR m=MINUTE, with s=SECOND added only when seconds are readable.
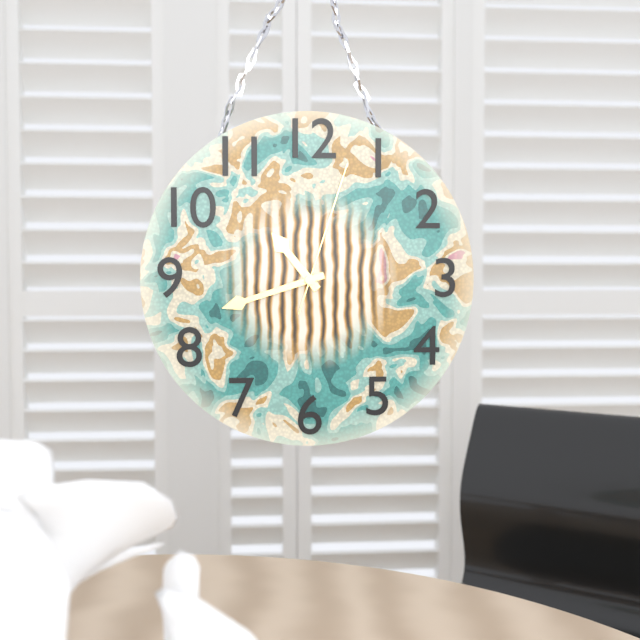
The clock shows h=10 m=42 s=3
